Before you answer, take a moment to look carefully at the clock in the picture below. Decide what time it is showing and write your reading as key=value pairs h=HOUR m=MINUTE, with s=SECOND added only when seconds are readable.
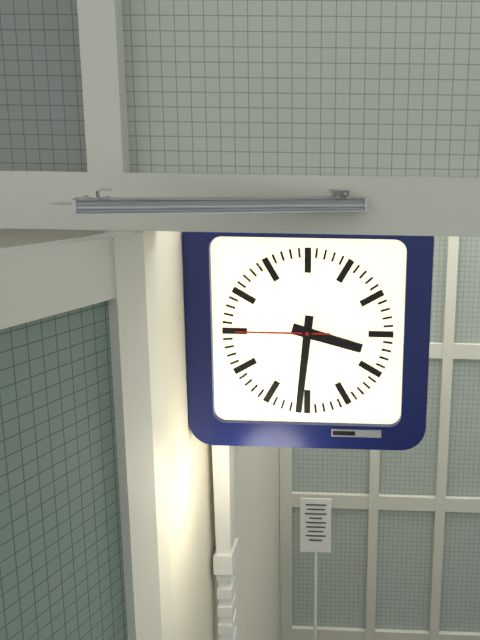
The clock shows h=3 m=31 s=45
